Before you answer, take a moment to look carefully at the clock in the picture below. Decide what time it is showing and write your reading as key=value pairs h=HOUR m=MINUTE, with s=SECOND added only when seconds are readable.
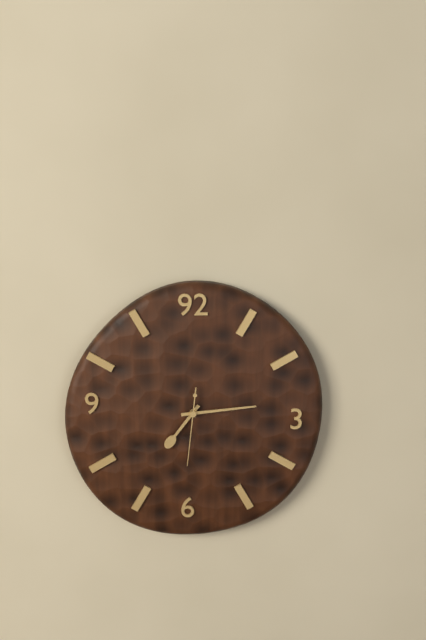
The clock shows h=7 m=14 s=31
